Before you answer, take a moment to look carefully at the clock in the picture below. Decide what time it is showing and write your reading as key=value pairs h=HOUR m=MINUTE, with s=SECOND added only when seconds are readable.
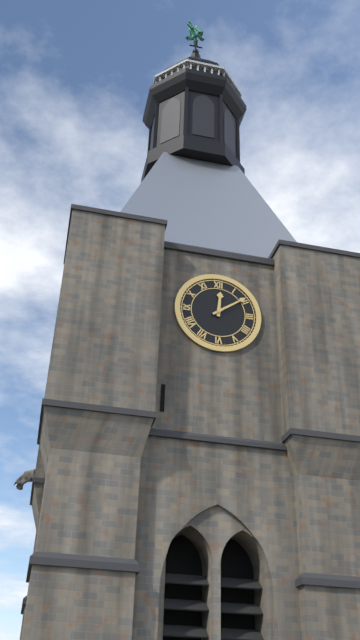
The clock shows h=12 m=9
